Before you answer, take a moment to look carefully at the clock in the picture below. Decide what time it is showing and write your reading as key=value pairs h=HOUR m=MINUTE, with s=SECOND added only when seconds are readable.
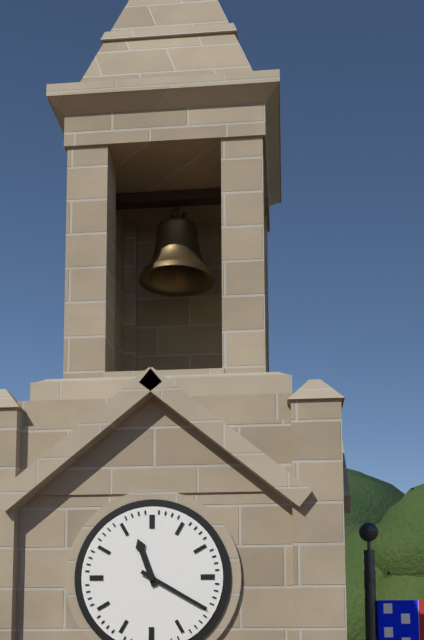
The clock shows h=11 m=20
